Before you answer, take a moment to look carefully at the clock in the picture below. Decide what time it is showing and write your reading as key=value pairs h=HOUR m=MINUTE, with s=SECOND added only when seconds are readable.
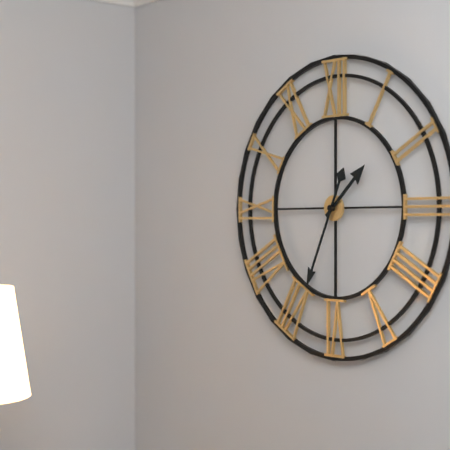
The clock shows h=1 m=34
